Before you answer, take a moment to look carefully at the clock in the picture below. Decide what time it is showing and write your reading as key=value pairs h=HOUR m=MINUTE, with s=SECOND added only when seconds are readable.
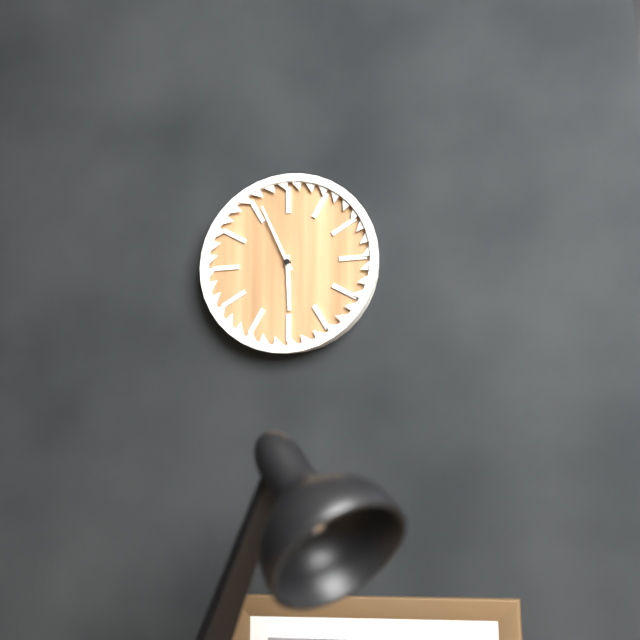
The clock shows h=5 m=56
